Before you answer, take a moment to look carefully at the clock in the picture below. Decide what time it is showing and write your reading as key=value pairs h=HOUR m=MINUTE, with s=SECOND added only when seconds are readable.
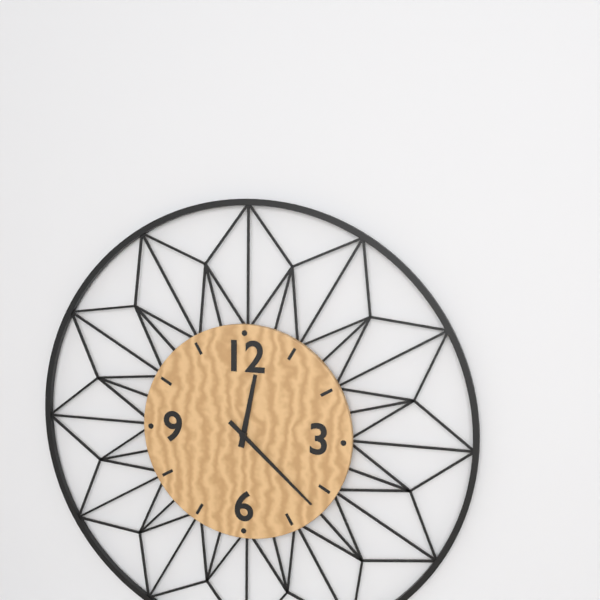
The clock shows h=12 m=22
